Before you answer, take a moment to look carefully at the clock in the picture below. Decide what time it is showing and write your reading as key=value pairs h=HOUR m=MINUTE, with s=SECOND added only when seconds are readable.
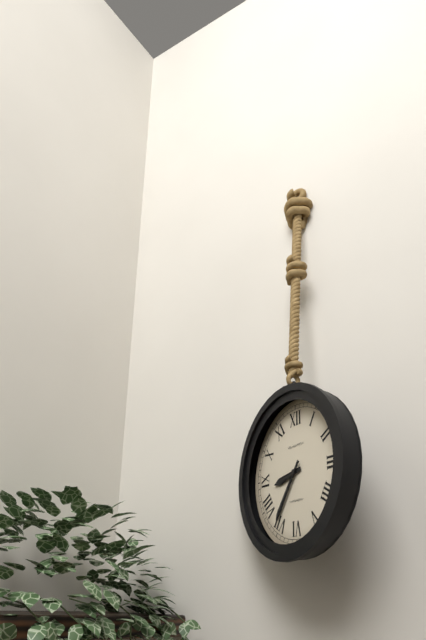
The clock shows h=8 m=36
